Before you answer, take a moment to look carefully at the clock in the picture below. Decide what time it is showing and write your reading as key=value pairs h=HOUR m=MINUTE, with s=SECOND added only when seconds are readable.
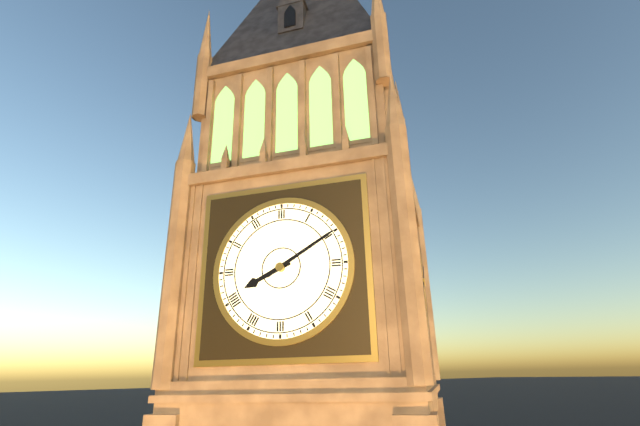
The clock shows h=8 m=10
